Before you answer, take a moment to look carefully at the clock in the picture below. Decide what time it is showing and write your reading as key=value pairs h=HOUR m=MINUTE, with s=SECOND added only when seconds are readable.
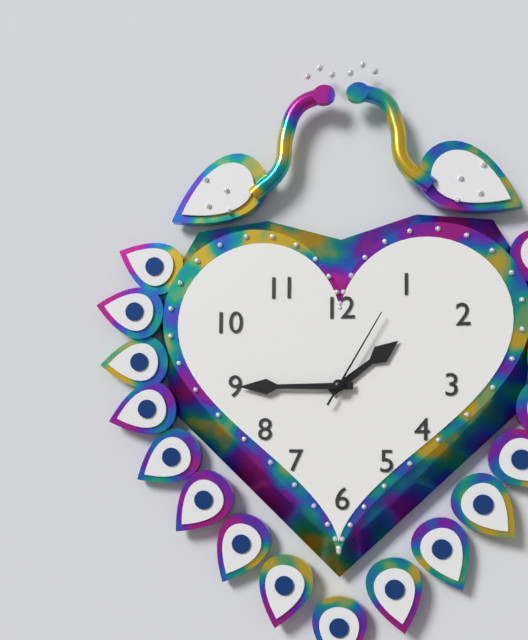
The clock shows h=1 m=45 s=5
